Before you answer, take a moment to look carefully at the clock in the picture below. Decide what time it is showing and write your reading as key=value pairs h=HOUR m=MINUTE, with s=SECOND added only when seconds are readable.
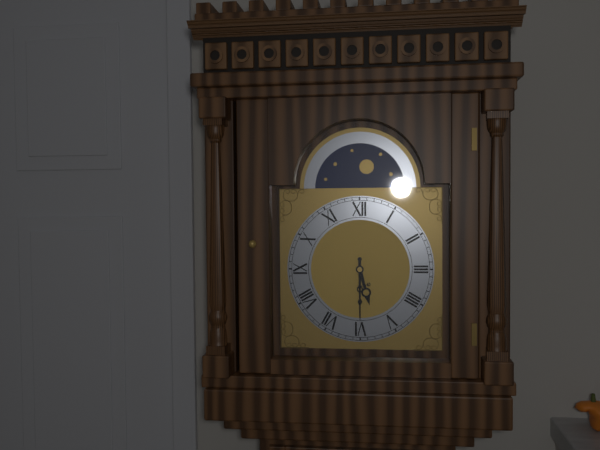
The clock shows h=5 m=30
